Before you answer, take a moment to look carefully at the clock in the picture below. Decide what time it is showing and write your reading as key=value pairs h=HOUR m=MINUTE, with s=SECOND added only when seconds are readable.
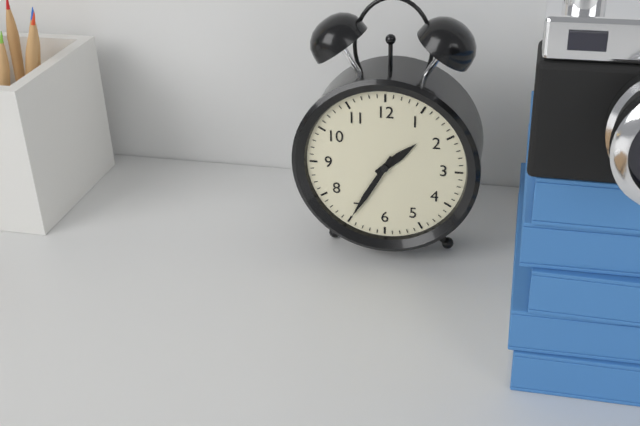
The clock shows h=1 m=35
